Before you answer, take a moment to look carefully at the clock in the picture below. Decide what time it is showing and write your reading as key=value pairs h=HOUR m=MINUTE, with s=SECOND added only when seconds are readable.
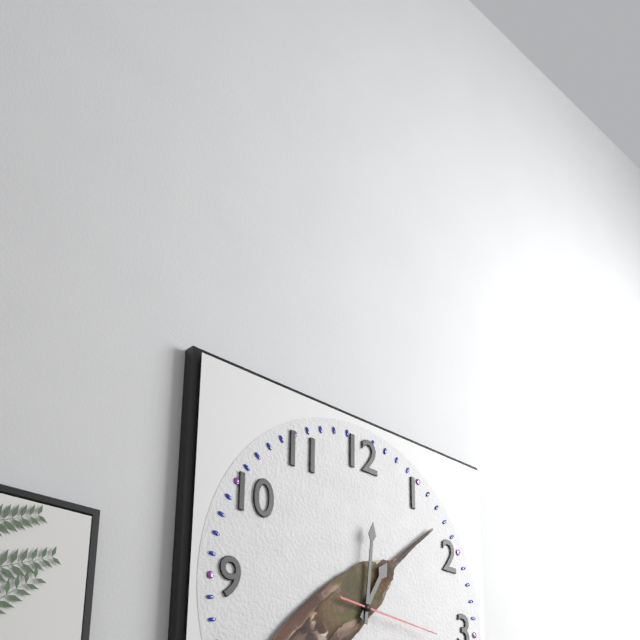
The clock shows h=1 m=1 s=16
